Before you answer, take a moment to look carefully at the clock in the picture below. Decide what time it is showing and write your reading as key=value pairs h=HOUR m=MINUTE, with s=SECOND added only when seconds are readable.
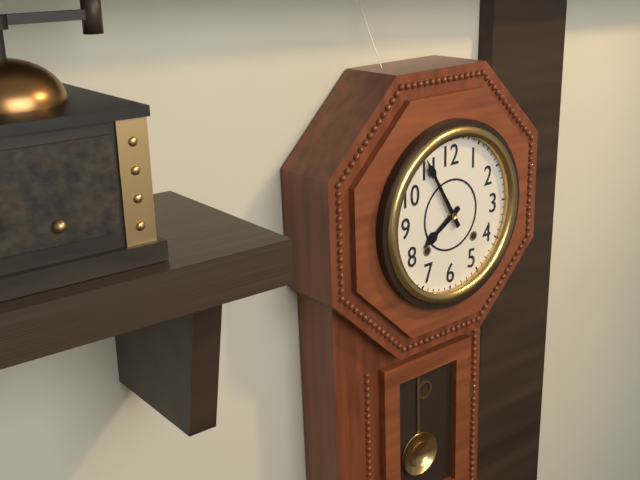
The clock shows h=7 m=55
